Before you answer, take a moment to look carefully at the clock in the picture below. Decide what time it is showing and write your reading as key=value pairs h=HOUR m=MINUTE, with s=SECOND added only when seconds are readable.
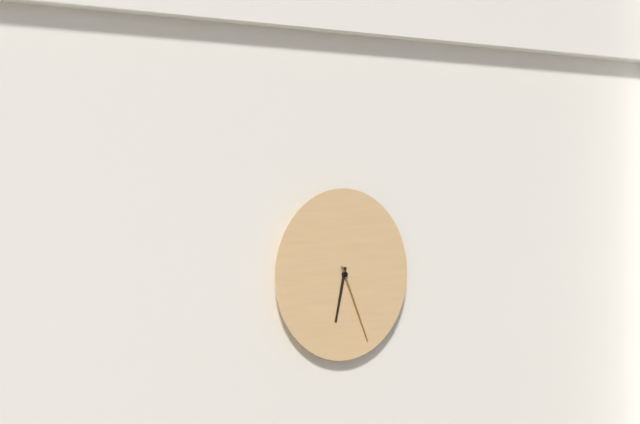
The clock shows h=6 m=26
